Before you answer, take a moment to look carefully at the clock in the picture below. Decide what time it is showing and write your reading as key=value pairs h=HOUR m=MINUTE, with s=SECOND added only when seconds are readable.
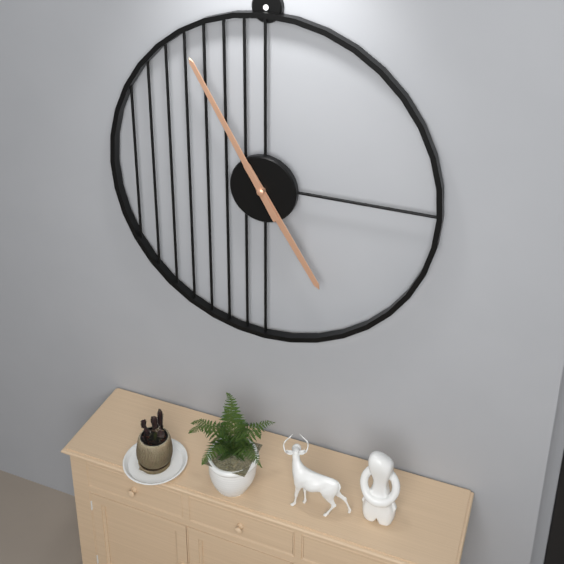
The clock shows h=4 m=55
